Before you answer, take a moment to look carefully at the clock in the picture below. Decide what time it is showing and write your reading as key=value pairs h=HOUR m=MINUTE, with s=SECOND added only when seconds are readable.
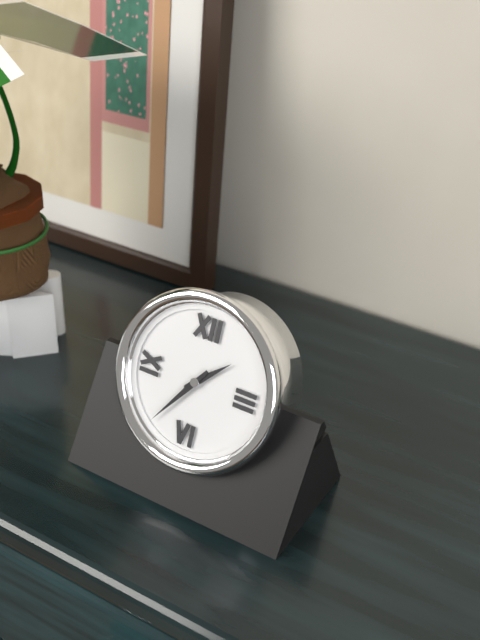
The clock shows h=1 m=36
